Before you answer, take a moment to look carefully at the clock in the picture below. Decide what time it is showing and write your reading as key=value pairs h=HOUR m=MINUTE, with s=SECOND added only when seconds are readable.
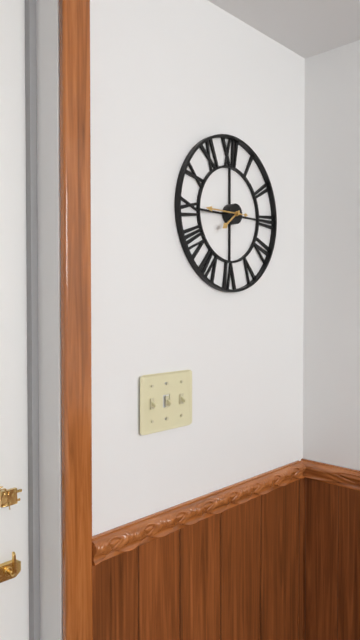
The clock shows h=7 m=45
